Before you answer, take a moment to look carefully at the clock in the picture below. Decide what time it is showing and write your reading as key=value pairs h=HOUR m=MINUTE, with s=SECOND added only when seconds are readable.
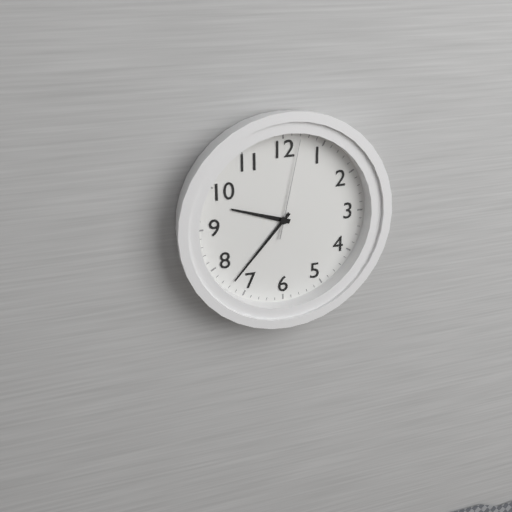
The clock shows h=9 m=37 s=2
